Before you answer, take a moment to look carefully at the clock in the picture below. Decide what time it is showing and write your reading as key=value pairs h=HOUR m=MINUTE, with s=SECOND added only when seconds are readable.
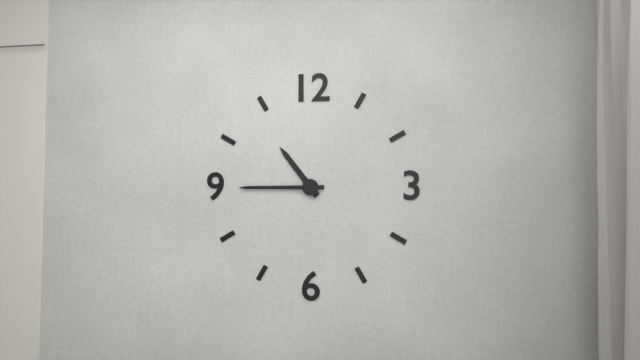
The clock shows h=10 m=45
